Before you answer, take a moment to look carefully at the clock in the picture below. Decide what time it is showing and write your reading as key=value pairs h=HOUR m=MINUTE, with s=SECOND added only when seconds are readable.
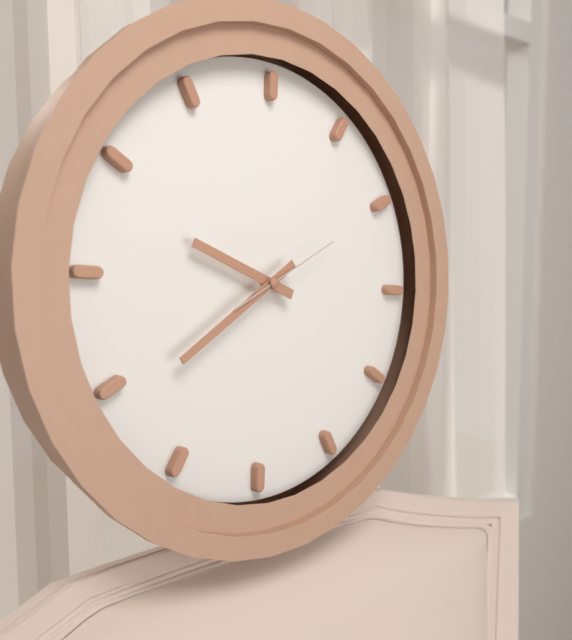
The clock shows h=9 m=39 s=10
